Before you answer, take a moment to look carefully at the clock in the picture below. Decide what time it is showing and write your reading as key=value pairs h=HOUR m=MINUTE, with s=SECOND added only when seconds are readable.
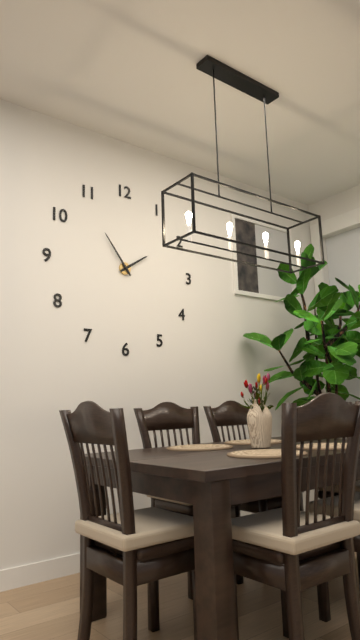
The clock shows h=1 m=54
